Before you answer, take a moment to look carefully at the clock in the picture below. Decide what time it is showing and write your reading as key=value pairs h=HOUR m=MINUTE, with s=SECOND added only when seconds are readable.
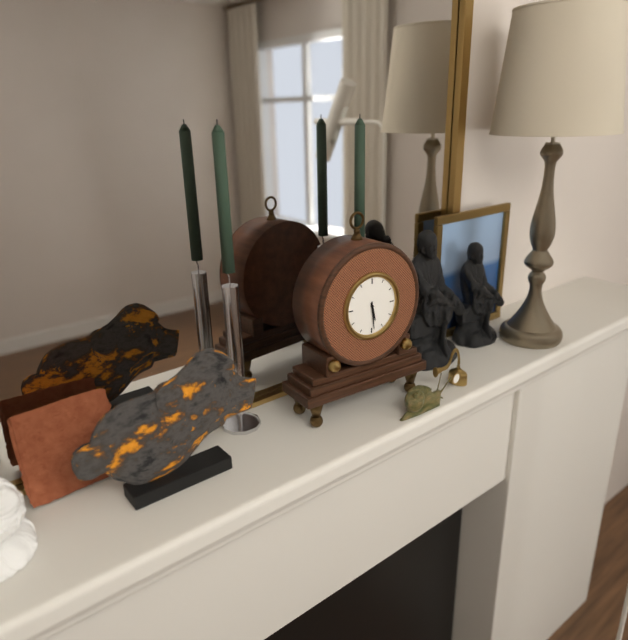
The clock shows h=5 m=29
